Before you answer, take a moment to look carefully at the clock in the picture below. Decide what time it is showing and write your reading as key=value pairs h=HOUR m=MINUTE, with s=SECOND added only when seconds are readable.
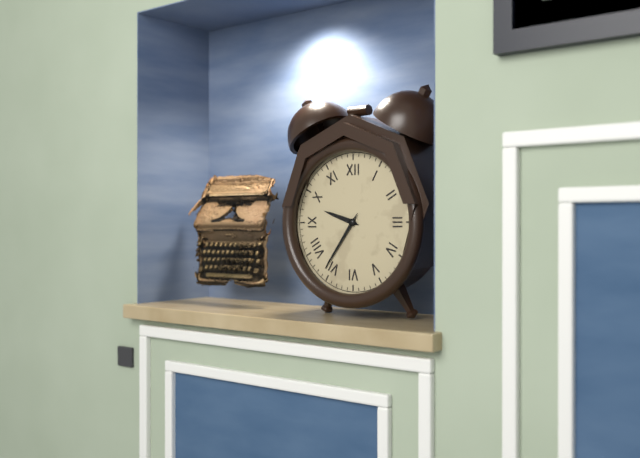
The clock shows h=9 m=36
